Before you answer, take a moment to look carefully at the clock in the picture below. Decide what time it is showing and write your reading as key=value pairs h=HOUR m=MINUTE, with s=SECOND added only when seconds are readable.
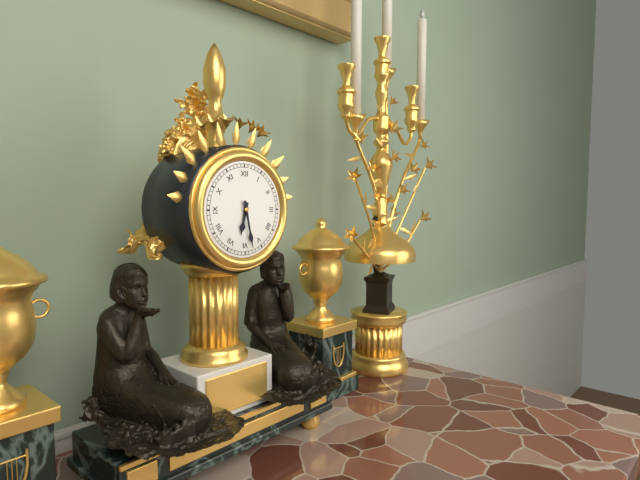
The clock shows h=6 m=28
